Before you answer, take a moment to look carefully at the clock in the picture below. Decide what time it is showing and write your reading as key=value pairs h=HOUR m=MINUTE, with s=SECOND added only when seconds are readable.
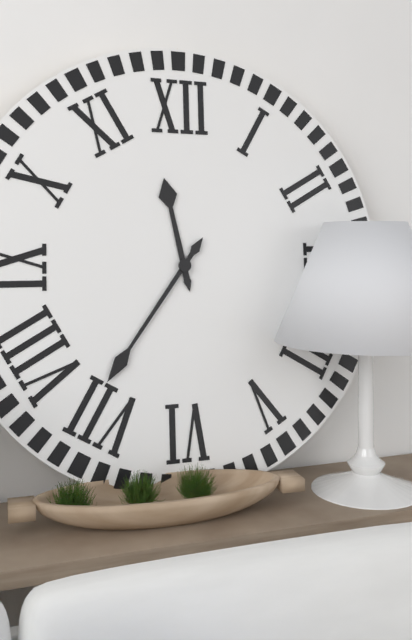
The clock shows h=11 m=36
